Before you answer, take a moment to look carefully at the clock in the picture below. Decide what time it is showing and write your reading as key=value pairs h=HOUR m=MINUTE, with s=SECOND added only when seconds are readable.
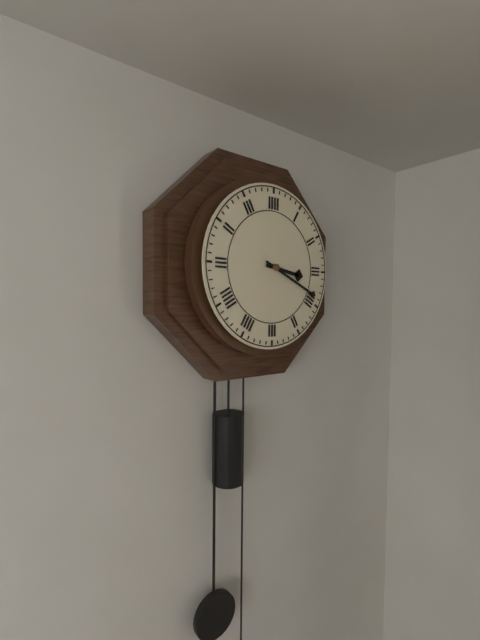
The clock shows h=3 m=19
